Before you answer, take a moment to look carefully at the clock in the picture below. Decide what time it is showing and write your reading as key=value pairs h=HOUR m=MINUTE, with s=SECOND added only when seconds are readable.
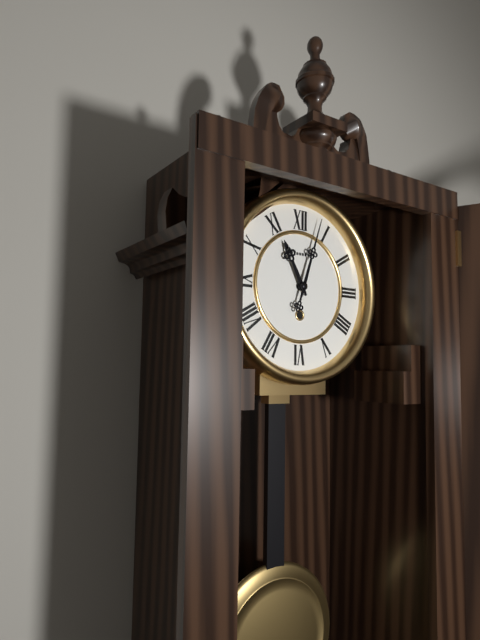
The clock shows h=11 m=3
